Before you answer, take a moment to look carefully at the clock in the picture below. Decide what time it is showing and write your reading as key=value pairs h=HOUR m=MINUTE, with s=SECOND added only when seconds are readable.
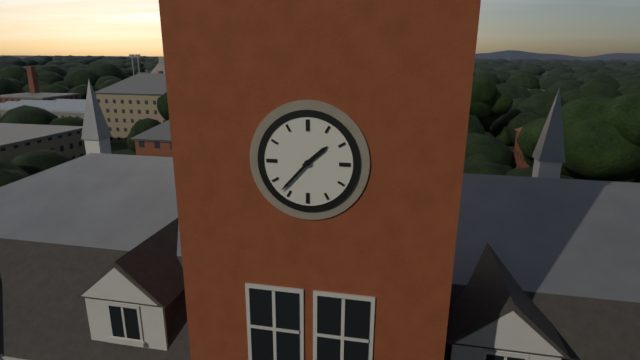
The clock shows h=1 m=37
